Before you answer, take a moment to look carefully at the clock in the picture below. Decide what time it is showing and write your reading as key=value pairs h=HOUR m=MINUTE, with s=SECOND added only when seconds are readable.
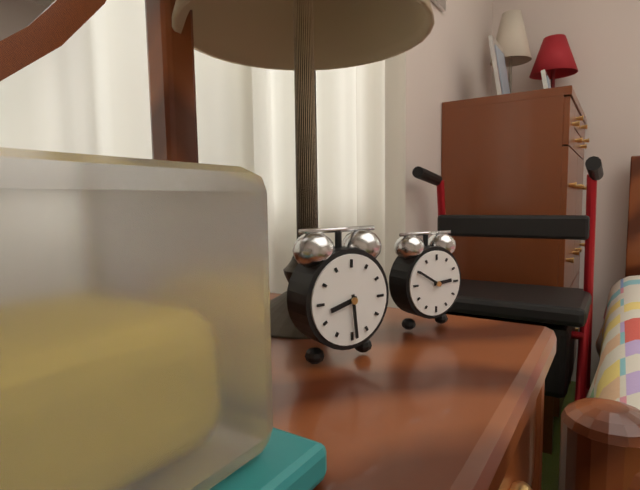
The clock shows h=8 m=29
